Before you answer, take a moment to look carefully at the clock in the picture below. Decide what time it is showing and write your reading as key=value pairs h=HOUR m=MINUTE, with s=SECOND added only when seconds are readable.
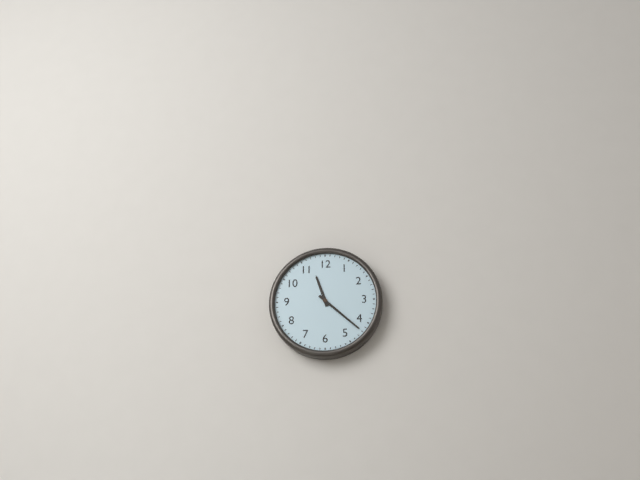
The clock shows h=11 m=22
